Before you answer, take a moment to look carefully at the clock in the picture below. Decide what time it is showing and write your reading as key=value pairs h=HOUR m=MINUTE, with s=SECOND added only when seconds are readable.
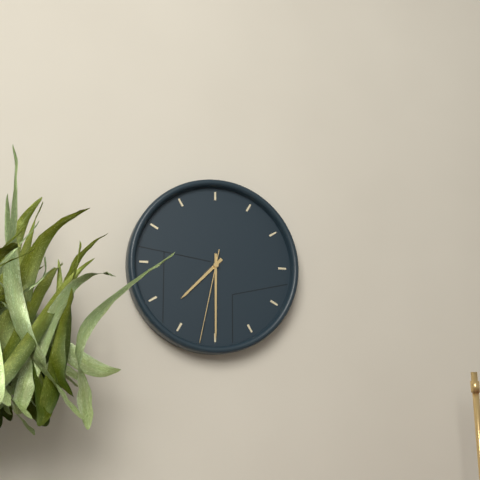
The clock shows h=7 m=30 s=32
